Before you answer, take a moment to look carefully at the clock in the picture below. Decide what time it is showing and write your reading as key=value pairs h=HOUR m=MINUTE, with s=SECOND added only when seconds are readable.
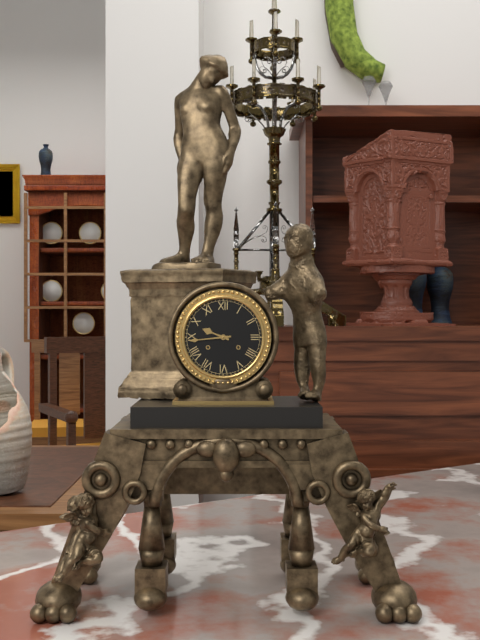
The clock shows h=9 m=44
